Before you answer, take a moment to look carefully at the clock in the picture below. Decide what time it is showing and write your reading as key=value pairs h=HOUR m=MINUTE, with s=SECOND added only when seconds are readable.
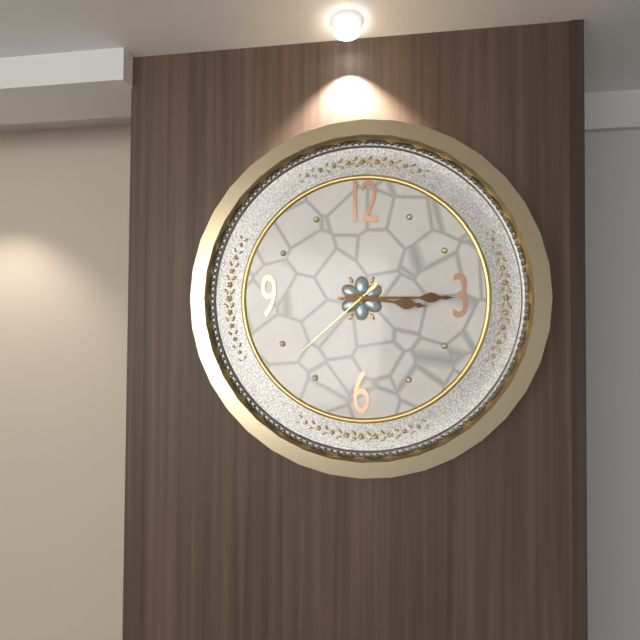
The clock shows h=3 m=15 s=38
